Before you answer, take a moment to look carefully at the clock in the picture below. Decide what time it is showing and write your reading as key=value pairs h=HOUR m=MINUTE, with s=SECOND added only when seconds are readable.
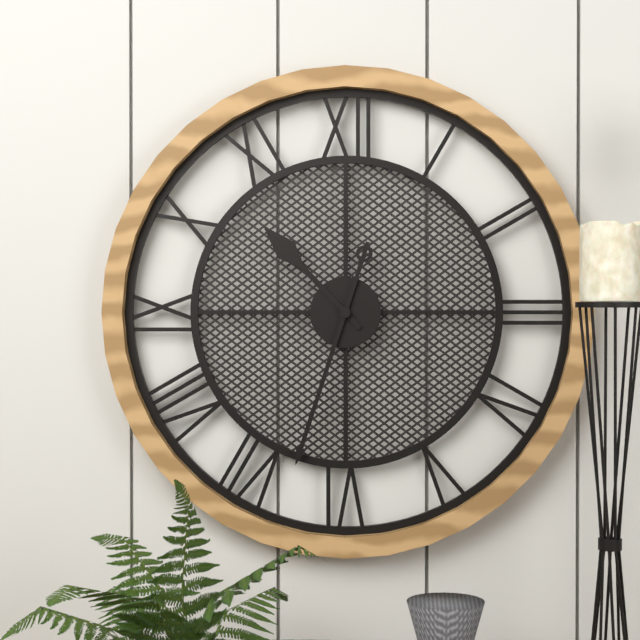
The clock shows h=10 m=33
